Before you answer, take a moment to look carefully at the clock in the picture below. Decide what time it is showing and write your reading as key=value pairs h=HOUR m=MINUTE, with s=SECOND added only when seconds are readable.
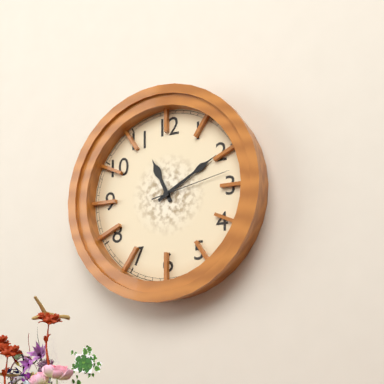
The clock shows h=11 m=10 s=13
